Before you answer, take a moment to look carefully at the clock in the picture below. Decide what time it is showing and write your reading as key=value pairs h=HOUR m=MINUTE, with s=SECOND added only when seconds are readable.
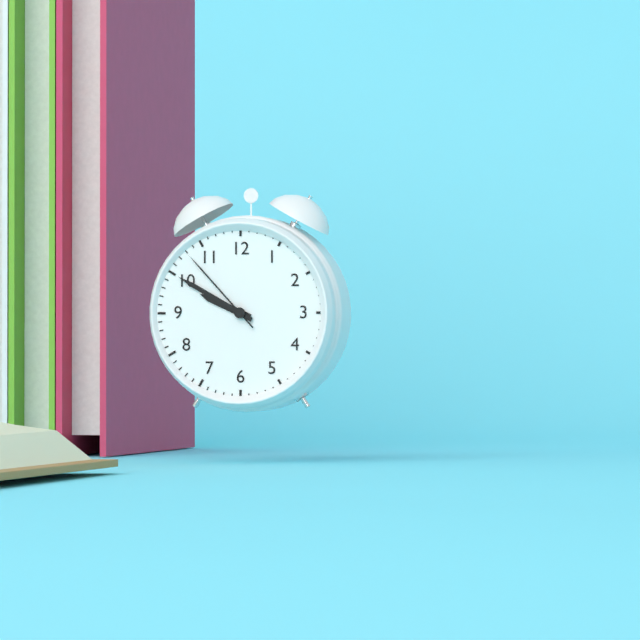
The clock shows h=9 m=50 s=53
